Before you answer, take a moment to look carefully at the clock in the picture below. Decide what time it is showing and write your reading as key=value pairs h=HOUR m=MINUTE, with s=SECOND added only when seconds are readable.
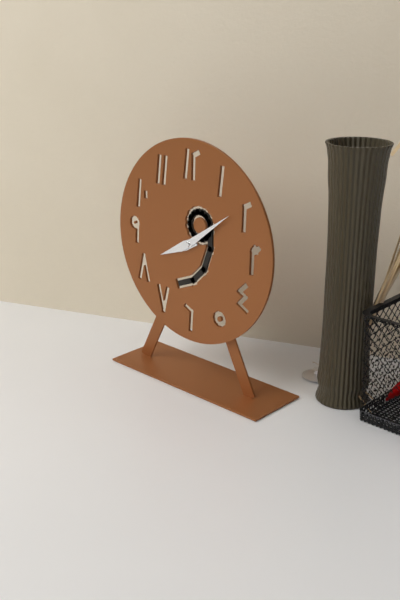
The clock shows h=8 m=9
